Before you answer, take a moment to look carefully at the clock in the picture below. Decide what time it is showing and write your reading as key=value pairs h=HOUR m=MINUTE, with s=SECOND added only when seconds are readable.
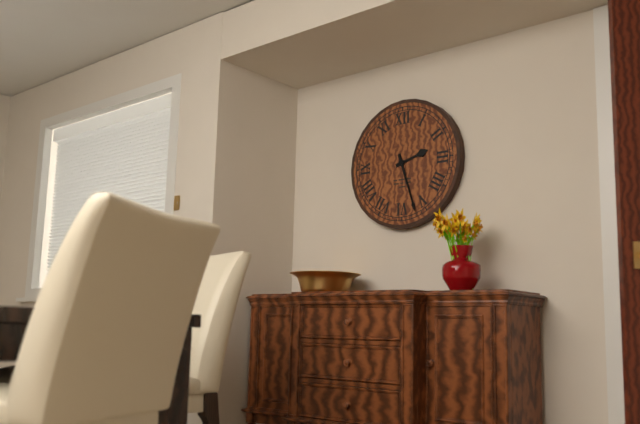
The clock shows h=2 m=27
